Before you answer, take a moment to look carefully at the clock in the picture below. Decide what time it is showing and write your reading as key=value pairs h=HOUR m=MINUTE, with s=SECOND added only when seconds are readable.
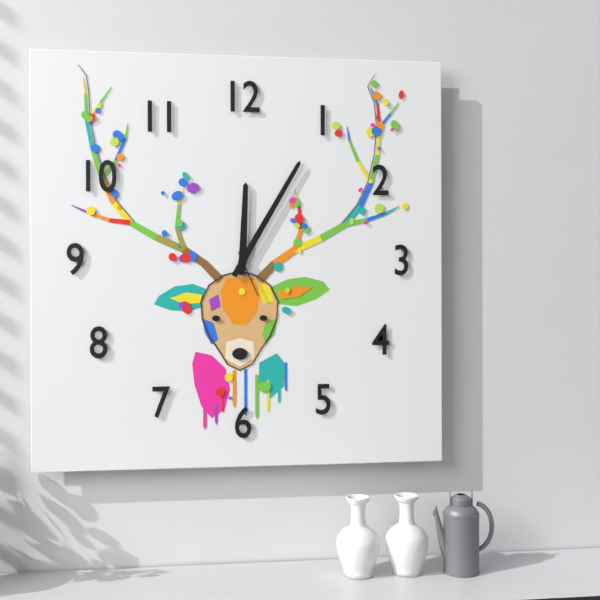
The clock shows h=12 m=5
